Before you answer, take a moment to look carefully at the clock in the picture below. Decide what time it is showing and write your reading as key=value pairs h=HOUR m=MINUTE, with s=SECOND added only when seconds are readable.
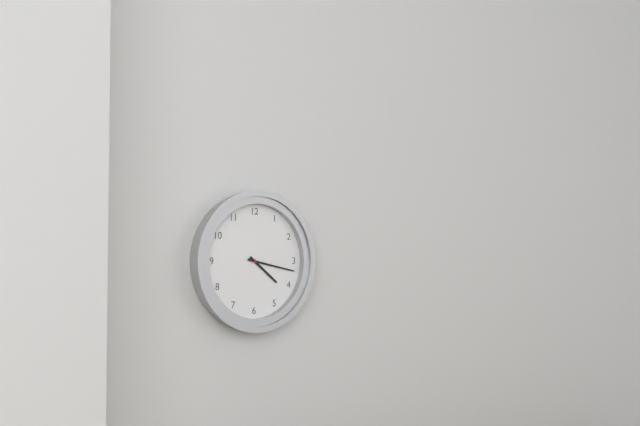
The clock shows h=4 m=17
